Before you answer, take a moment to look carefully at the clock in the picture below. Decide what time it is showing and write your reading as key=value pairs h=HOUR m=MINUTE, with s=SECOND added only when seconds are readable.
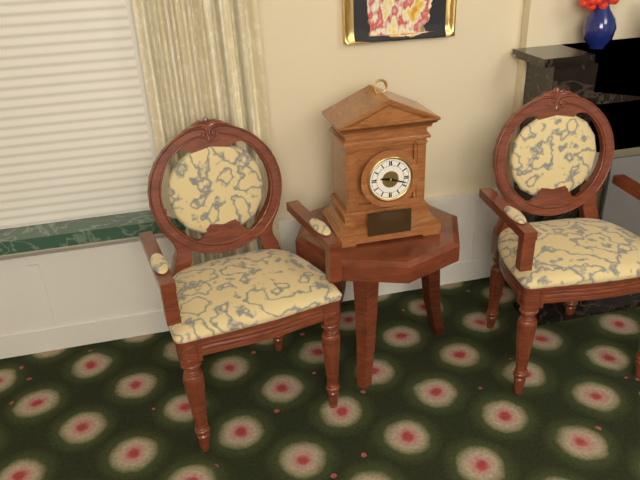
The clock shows h=9 m=18
